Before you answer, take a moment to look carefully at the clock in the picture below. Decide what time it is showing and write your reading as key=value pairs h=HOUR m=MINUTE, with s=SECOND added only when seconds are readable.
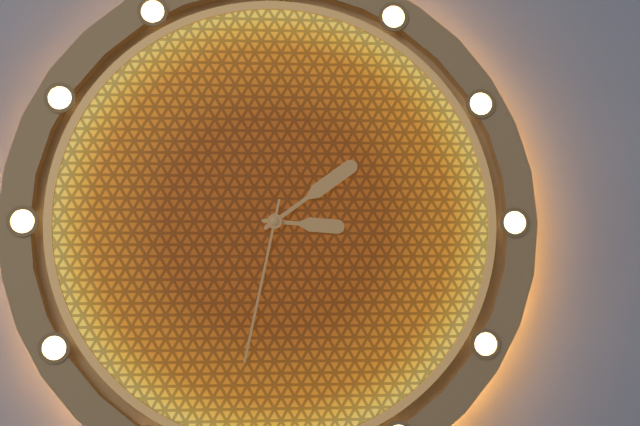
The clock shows h=3 m=9 s=32
